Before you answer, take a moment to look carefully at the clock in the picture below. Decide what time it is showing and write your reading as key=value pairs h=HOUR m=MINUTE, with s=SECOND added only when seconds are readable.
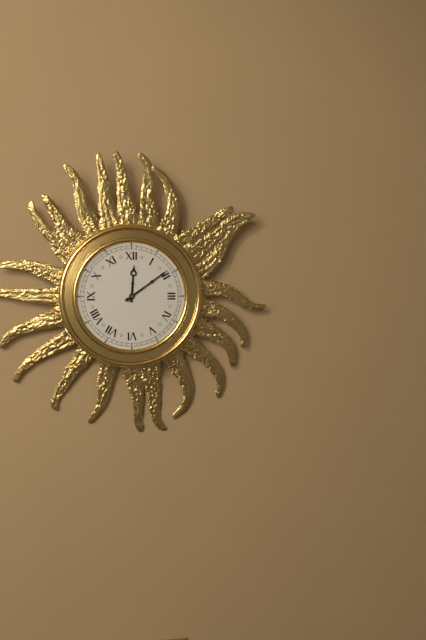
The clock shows h=12 m=9
